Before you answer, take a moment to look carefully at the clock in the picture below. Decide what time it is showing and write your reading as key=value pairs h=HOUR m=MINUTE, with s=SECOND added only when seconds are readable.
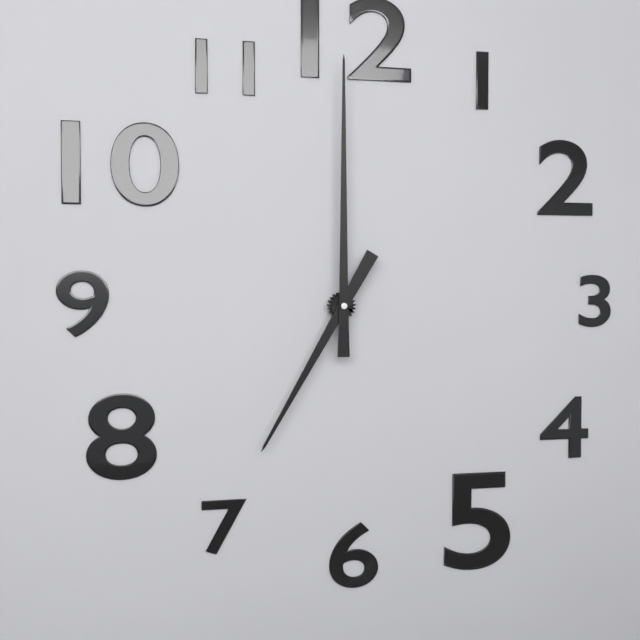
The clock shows h=7 m=0
